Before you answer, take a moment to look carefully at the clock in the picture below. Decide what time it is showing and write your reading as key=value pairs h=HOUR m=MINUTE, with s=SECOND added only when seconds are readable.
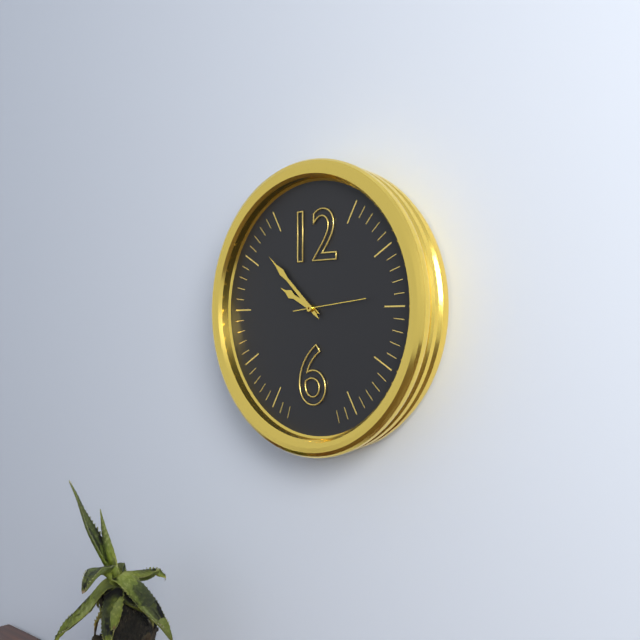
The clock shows h=9 m=52
